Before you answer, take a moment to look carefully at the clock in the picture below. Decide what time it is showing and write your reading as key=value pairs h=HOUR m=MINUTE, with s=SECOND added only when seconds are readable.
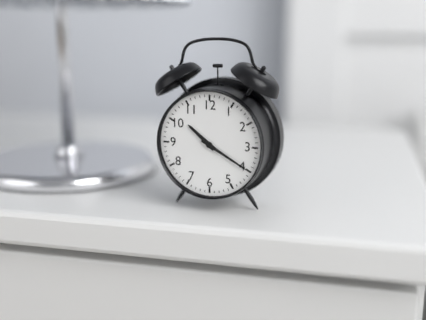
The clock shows h=10 m=20
